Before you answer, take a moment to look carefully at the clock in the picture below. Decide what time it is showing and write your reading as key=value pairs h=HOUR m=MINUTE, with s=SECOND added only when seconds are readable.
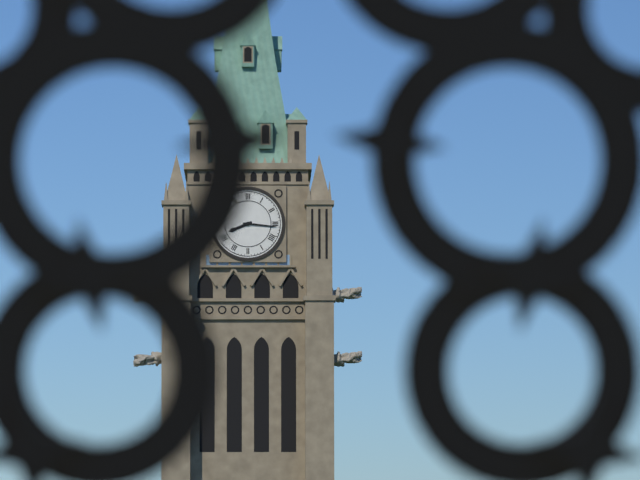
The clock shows h=8 m=16
